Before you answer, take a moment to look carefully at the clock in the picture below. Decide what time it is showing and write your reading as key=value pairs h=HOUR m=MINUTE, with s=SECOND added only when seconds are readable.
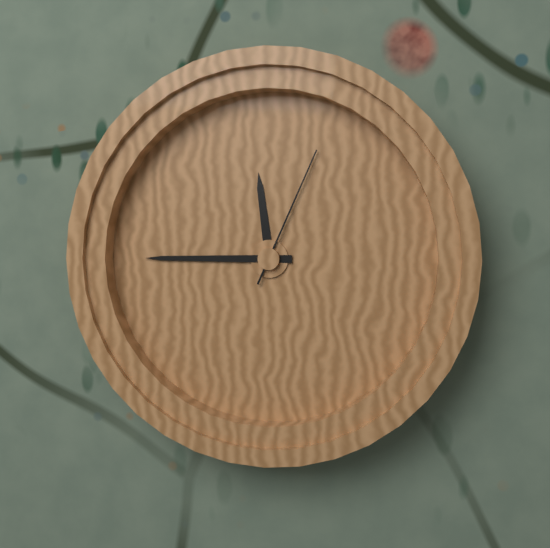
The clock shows h=11 m=45 s=4
